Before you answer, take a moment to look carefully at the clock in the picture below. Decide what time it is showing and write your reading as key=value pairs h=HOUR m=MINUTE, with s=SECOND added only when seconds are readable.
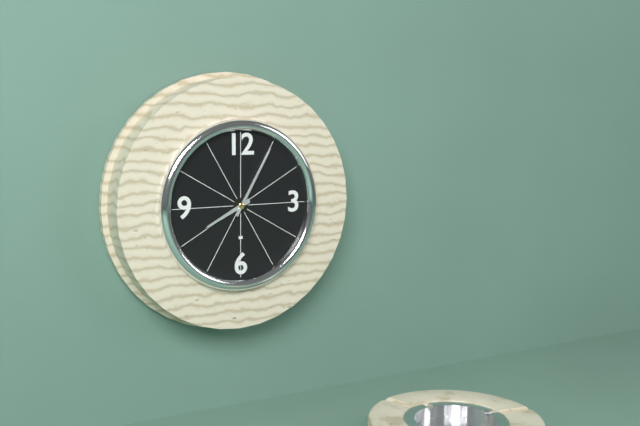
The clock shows h=8 m=5
